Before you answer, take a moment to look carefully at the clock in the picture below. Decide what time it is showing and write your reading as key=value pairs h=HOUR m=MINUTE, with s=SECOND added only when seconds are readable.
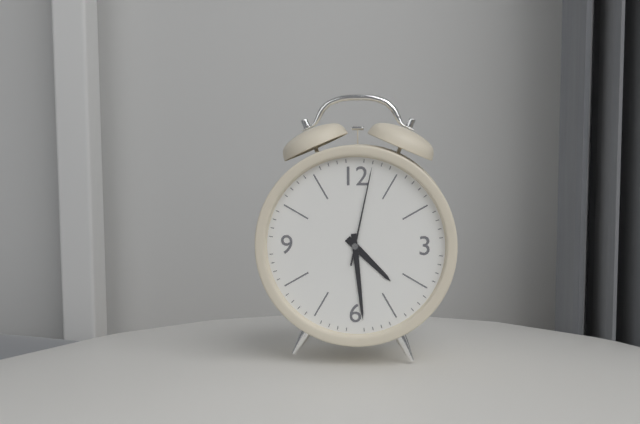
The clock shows h=4 m=29 s=2
